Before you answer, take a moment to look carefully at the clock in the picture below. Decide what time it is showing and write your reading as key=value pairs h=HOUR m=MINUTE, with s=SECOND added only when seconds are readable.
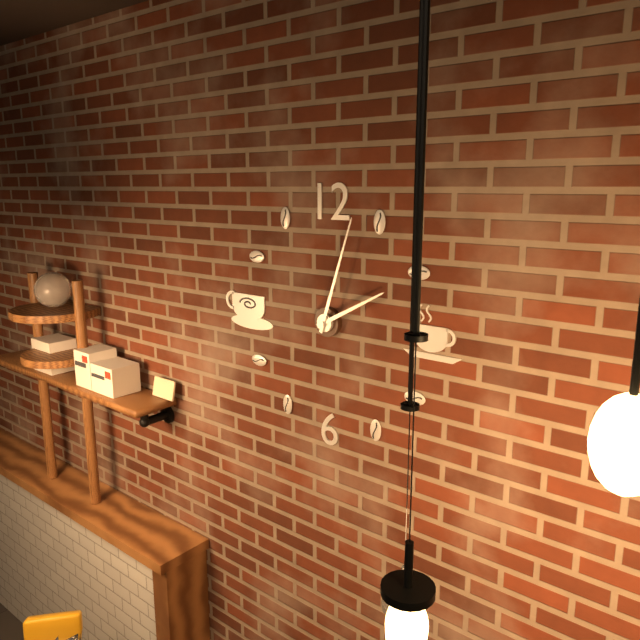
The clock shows h=2 m=3
